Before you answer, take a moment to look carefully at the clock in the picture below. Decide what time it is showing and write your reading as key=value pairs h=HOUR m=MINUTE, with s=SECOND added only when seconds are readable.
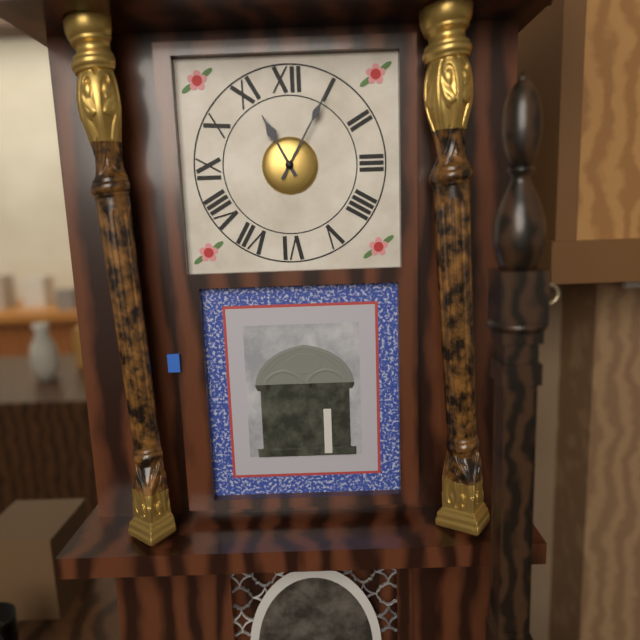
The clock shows h=11 m=5
